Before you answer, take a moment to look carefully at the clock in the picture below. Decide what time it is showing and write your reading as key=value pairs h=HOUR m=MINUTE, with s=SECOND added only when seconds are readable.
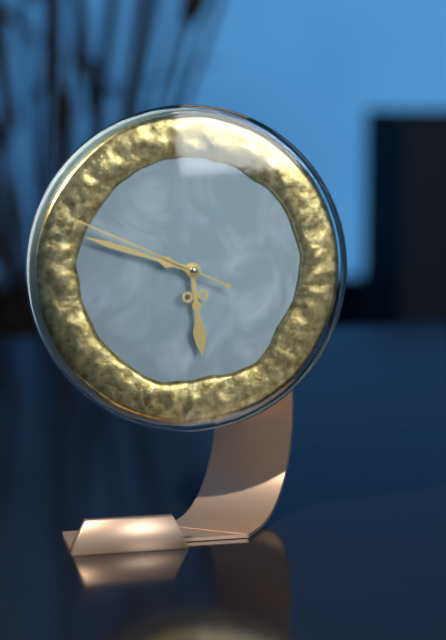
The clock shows h=5 m=48 s=49
